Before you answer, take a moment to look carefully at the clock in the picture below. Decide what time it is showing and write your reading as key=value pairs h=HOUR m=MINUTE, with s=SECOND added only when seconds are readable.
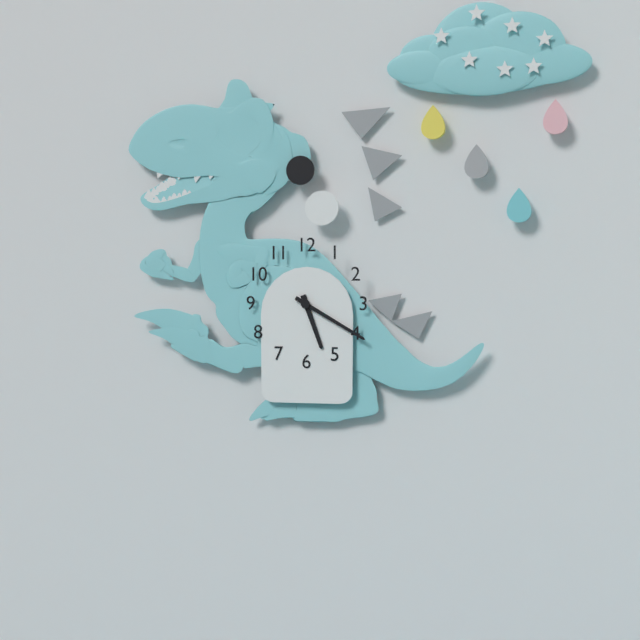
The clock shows h=5 m=20
